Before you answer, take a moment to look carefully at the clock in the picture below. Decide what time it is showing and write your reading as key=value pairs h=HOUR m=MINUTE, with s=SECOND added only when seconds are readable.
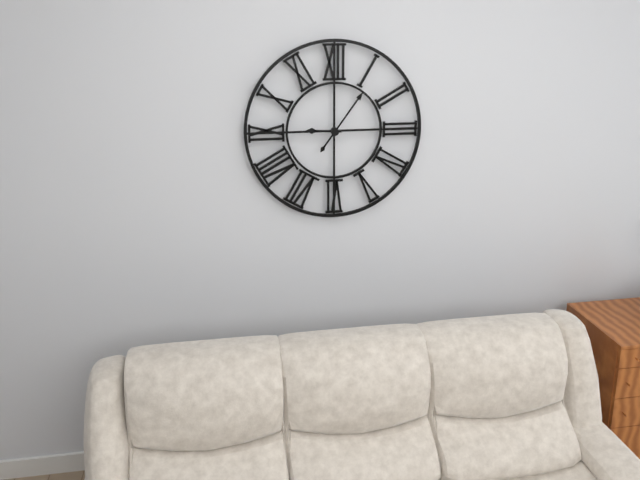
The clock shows h=9 m=6
